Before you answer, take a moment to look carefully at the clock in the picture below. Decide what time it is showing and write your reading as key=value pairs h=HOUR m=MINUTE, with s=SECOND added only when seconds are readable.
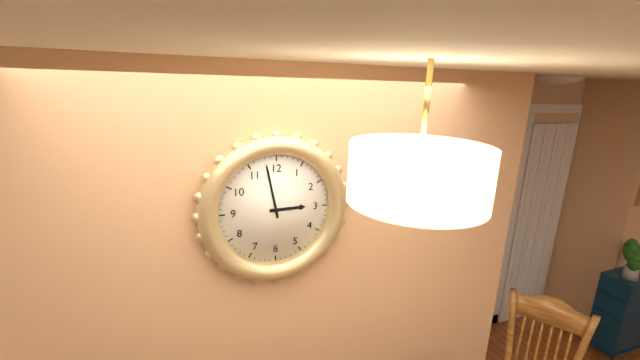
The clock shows h=2 m=58
